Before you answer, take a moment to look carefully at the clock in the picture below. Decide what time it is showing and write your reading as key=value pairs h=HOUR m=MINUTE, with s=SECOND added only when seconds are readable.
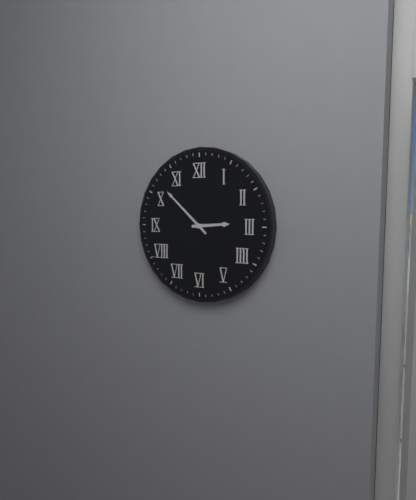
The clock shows h=2 m=52
